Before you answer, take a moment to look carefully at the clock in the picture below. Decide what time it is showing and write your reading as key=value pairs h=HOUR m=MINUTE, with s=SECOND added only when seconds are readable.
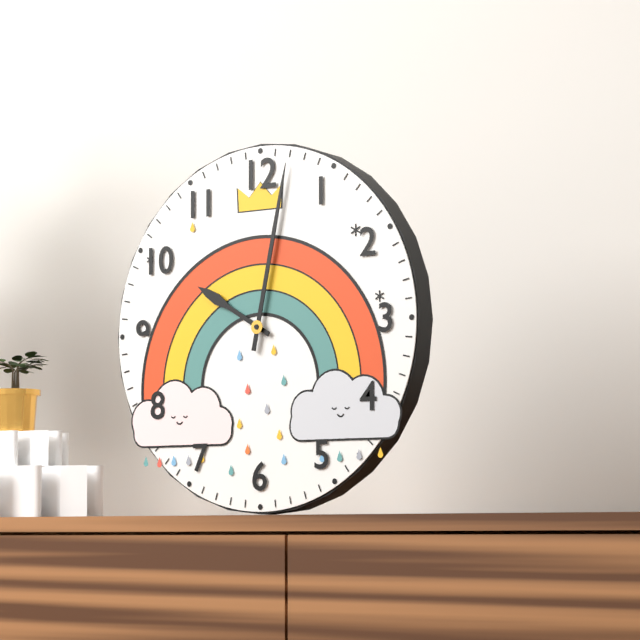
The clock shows h=10 m=2
